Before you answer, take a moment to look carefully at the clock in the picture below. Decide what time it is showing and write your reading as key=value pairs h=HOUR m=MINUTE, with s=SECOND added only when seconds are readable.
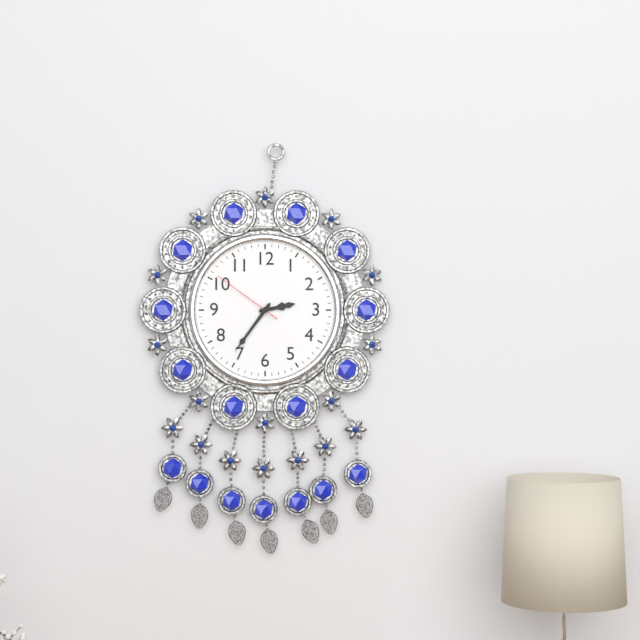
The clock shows h=2 m=36 s=51
